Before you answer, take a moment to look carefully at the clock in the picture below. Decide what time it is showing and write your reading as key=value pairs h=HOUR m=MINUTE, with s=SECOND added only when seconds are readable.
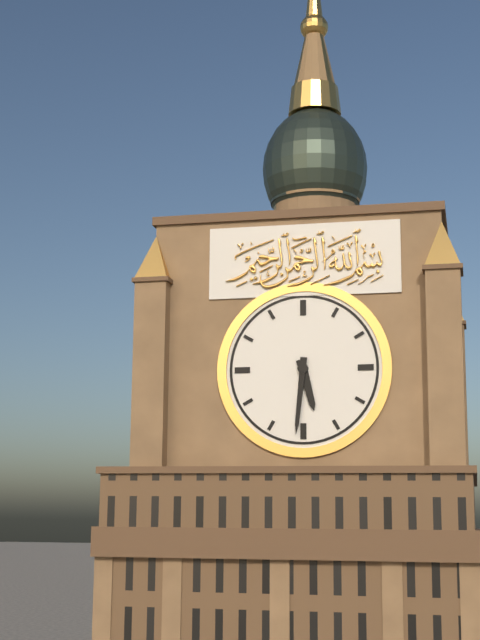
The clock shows h=5 m=31
